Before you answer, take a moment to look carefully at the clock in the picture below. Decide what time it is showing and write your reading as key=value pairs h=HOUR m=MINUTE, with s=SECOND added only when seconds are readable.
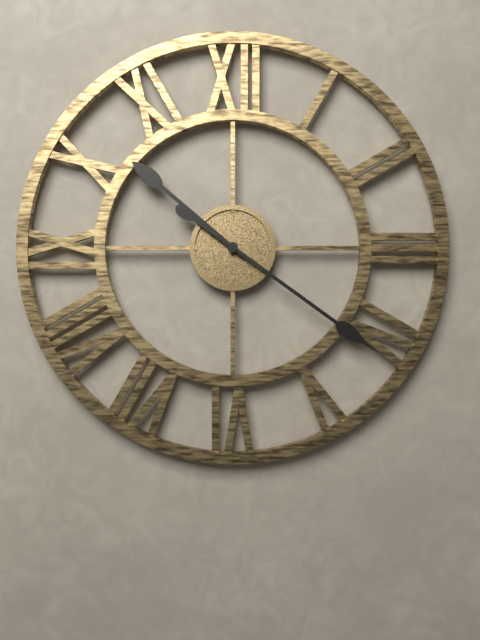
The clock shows h=10 m=21
